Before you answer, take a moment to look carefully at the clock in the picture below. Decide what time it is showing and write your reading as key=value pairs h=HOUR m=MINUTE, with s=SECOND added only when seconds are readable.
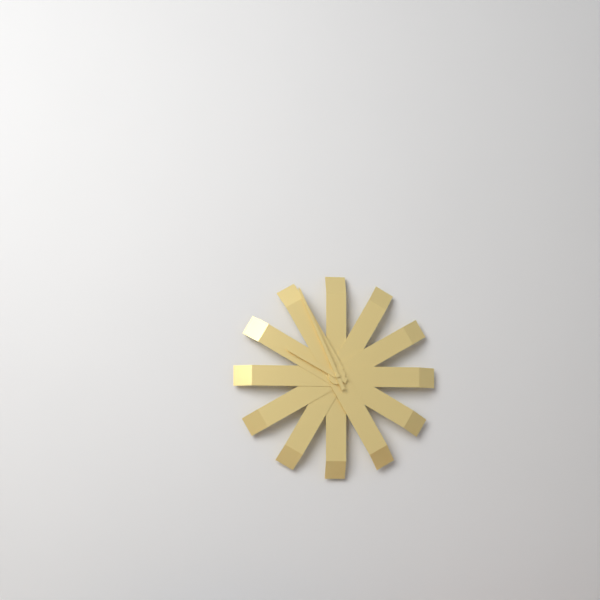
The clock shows h=9 m=56
